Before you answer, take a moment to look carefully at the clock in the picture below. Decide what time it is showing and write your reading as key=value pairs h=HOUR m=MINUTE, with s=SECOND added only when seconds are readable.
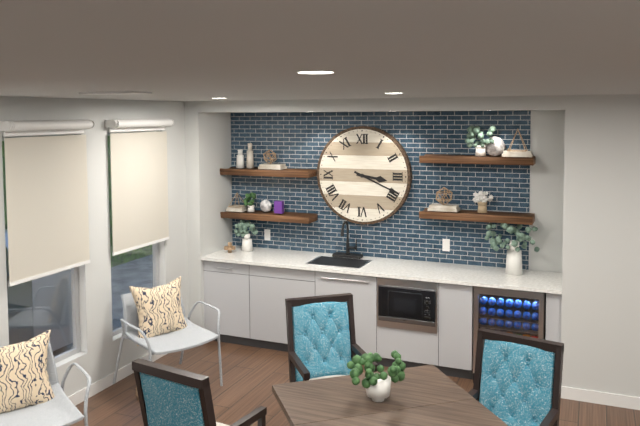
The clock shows h=3 m=19
